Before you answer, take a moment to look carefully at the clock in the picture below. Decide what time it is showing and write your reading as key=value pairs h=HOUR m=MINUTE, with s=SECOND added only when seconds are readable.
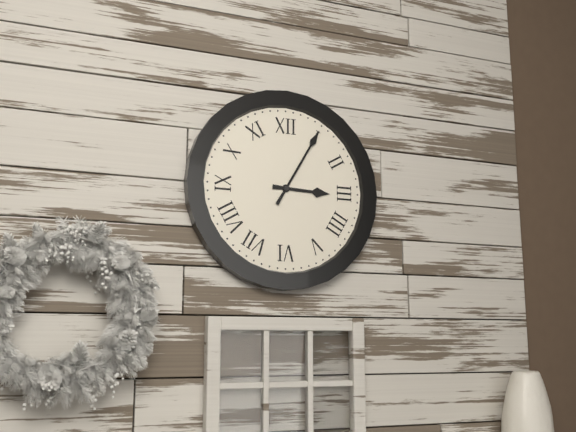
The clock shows h=3 m=5
